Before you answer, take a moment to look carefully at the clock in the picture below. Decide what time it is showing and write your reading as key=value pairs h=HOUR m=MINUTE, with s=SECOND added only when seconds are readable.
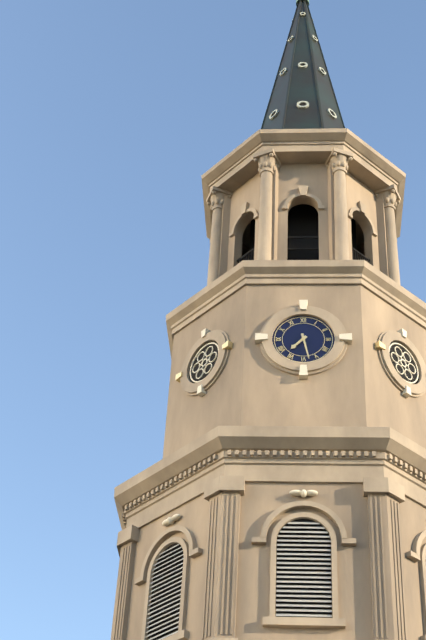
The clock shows h=7 m=28
